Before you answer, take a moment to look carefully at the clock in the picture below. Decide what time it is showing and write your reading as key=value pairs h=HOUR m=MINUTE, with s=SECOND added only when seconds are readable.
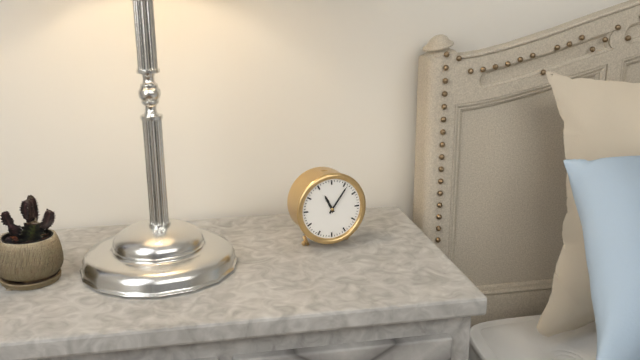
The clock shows h=11 m=6
